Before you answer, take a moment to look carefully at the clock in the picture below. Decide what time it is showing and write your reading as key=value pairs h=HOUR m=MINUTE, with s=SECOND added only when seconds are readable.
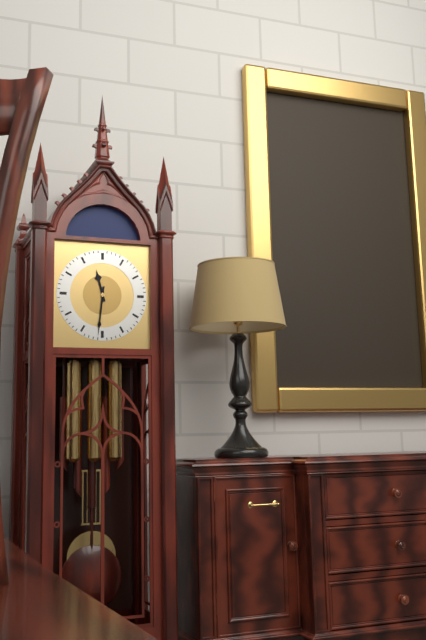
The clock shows h=11 m=31
